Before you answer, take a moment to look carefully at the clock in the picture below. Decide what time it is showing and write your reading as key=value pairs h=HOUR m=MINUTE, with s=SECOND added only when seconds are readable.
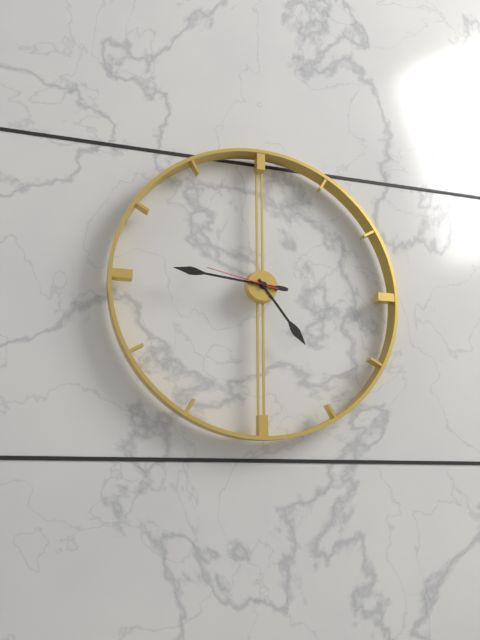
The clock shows h=4 m=46 s=47
